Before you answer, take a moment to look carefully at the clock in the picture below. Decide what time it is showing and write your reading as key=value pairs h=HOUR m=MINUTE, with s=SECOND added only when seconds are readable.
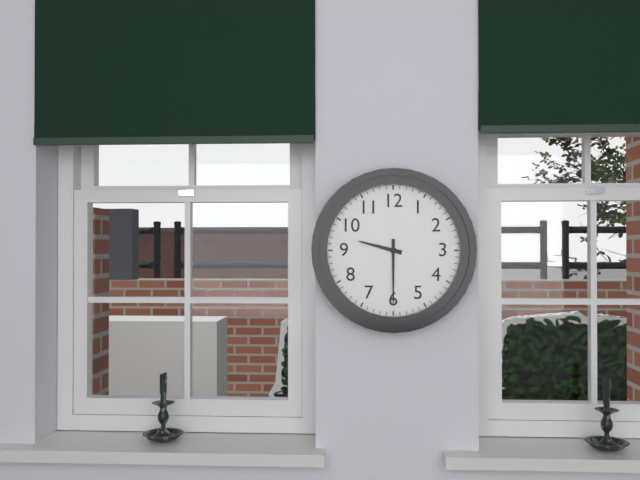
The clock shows h=9 m=30
